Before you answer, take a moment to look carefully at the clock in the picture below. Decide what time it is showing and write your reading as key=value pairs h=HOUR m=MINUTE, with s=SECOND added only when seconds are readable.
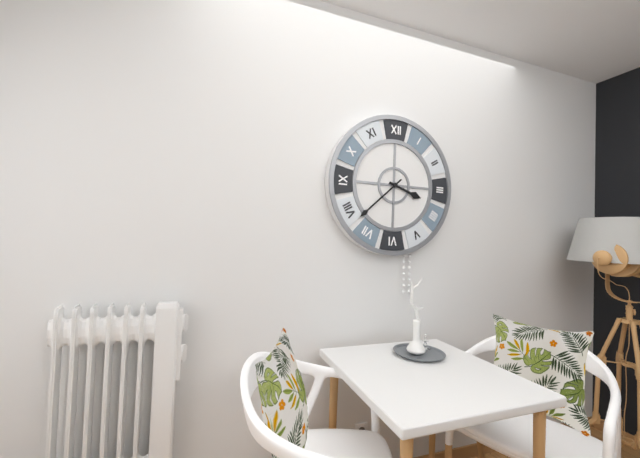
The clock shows h=3 m=38
